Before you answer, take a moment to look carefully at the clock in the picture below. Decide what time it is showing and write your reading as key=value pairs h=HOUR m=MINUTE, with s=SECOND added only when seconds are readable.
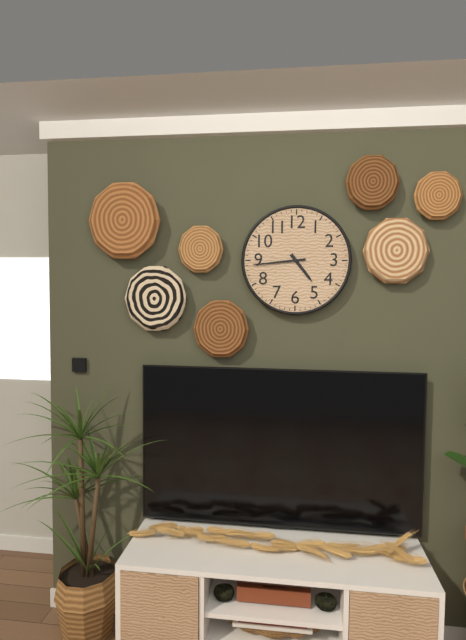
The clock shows h=4 m=44
